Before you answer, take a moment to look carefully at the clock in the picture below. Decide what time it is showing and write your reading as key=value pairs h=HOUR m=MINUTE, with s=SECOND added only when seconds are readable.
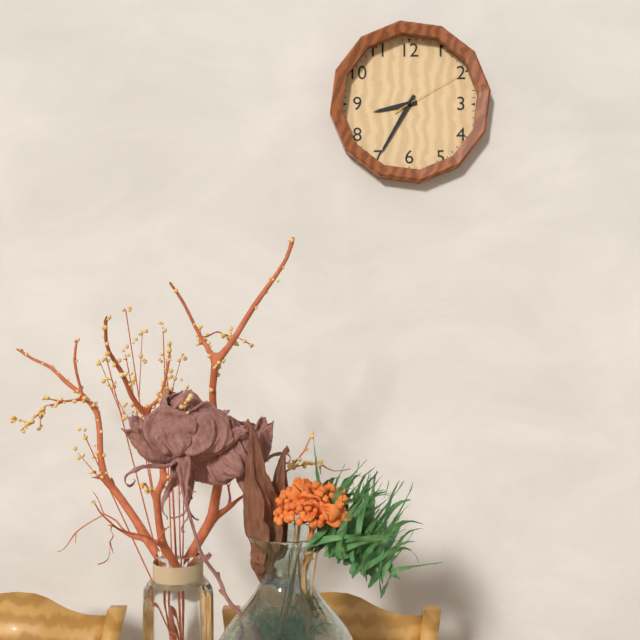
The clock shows h=8 m=35 s=10
